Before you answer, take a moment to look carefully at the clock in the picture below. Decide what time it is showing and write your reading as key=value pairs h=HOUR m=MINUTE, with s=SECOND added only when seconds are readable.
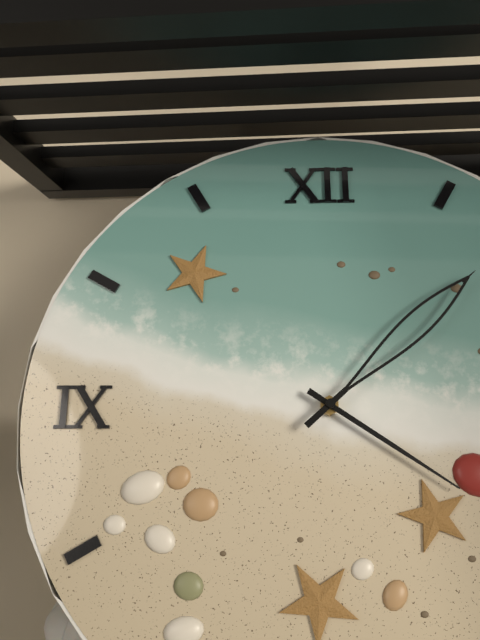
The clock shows h=4 m=8
